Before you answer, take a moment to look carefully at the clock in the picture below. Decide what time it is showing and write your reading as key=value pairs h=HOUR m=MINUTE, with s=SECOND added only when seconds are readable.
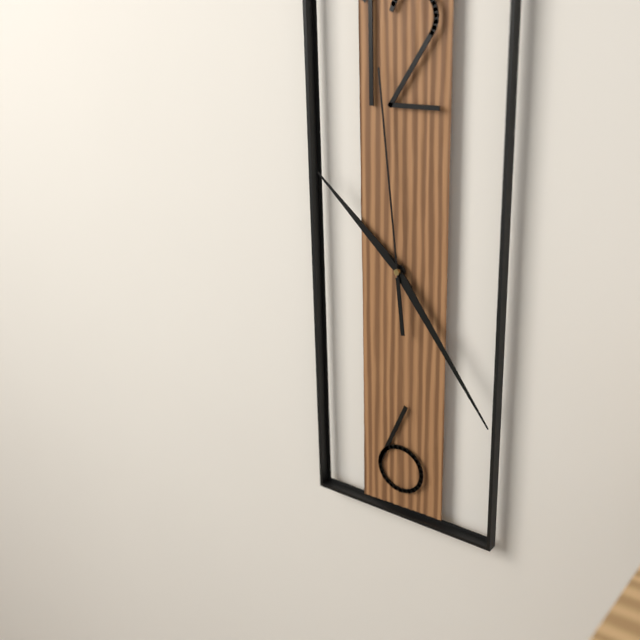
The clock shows h=10 m=24 s=59
